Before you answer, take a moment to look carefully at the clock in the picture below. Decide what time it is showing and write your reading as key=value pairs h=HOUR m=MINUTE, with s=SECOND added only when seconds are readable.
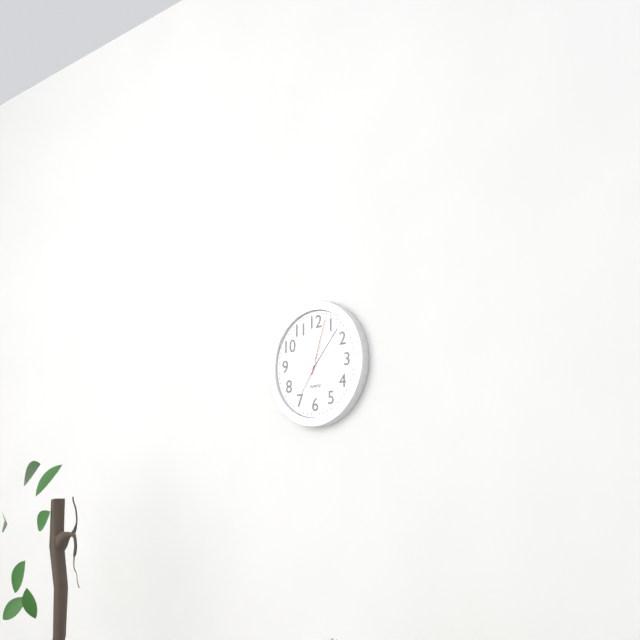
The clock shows h=7 m=7 s=3
